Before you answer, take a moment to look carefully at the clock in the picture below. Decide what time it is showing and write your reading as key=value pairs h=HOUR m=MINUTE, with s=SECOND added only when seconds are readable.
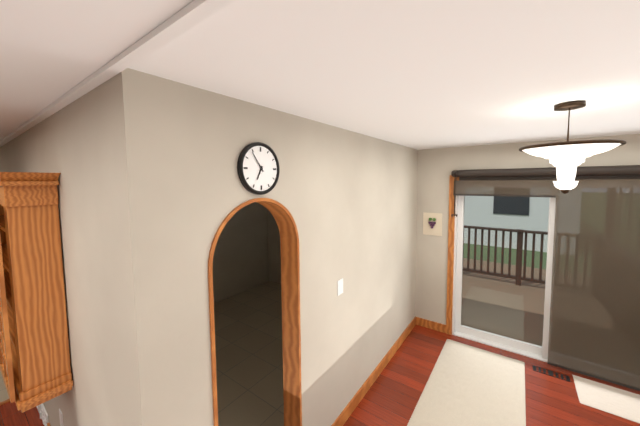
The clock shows h=6 m=54
